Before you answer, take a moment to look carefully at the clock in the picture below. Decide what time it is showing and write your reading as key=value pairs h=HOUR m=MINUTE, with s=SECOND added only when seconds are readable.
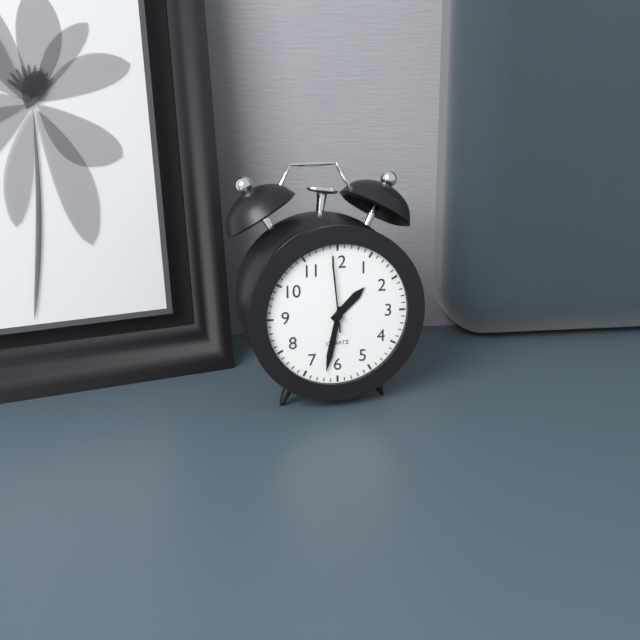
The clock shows h=1 m=32 s=59
